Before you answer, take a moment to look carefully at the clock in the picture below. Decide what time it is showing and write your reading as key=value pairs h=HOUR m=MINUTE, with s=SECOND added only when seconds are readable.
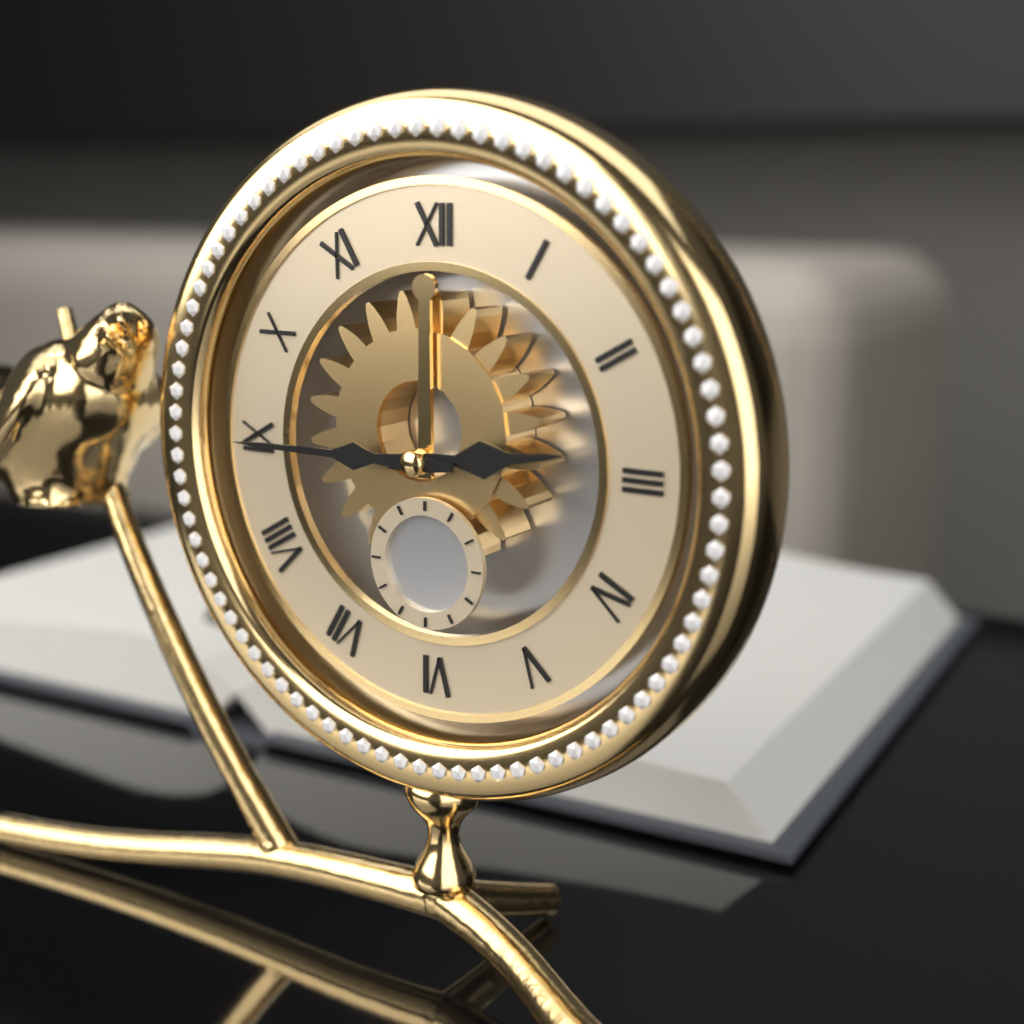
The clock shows h=2 m=45
